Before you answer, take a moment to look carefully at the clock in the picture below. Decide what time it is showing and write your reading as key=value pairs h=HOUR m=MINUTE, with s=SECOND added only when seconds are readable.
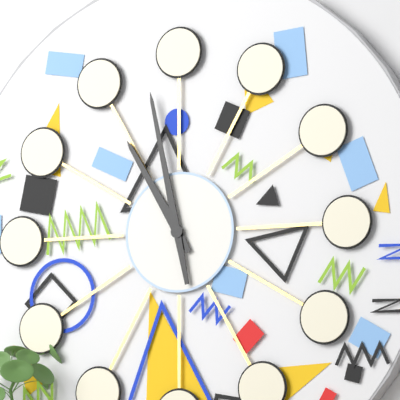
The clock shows h=10 m=58
